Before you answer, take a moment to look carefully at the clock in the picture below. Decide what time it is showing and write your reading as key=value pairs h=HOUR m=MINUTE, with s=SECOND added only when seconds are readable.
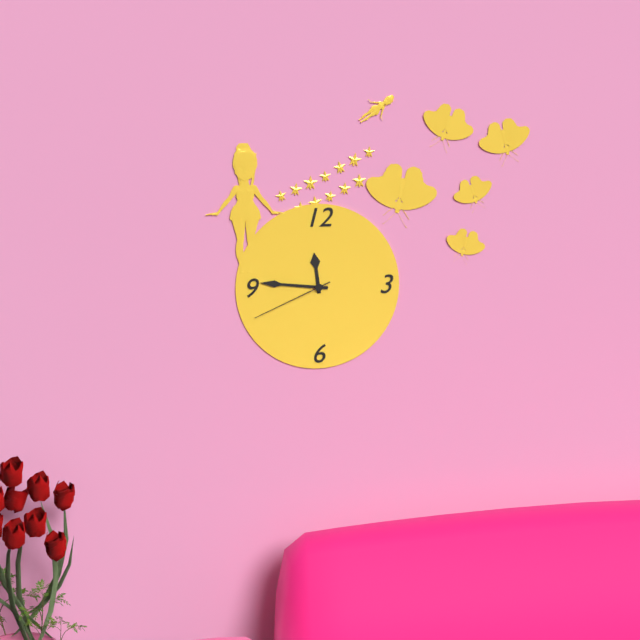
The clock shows h=11 m=46 s=41
